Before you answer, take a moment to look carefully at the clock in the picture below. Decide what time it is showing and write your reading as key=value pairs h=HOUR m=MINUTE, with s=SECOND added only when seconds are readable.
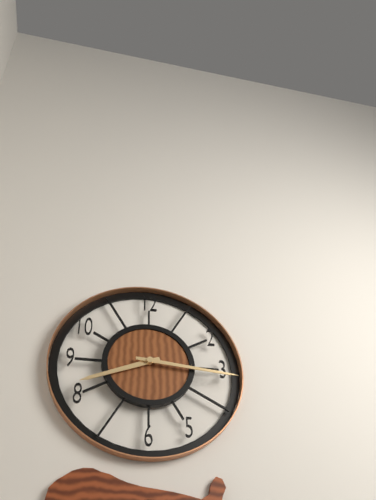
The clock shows h=8 m=16
